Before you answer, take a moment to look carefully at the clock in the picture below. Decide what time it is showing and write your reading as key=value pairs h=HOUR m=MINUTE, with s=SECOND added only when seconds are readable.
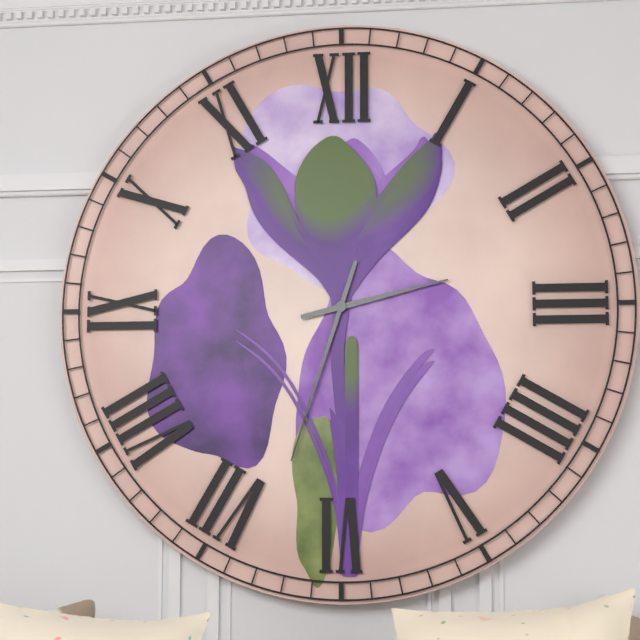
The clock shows h=2 m=33
